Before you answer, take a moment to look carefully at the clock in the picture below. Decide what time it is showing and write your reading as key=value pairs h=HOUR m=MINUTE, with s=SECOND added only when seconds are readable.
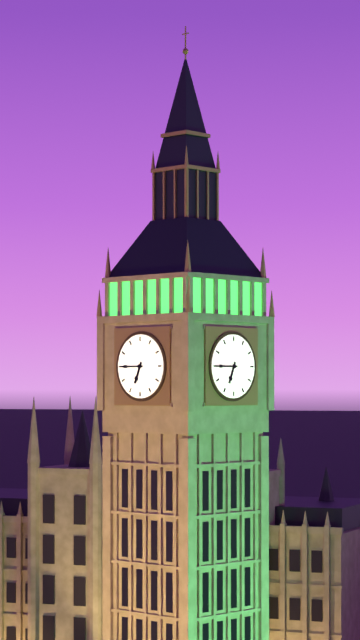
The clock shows h=6 m=45
